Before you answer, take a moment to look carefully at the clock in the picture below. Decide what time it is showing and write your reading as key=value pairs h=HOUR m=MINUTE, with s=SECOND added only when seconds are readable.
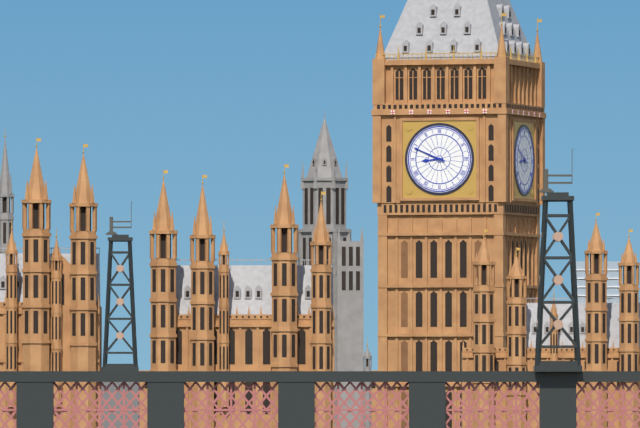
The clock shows h=8 m=49
